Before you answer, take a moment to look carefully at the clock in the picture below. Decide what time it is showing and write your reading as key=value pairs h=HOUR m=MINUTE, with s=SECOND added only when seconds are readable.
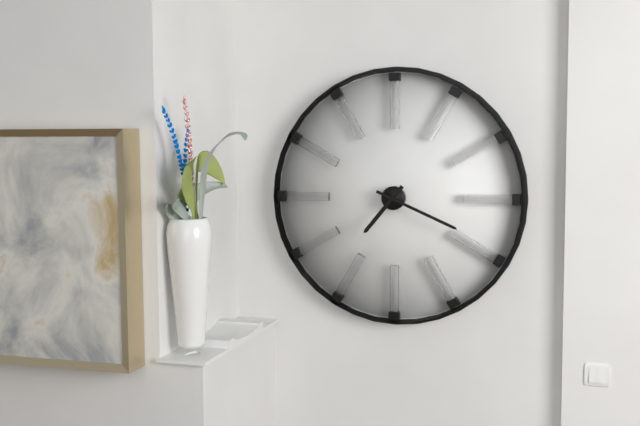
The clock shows h=7 m=19
